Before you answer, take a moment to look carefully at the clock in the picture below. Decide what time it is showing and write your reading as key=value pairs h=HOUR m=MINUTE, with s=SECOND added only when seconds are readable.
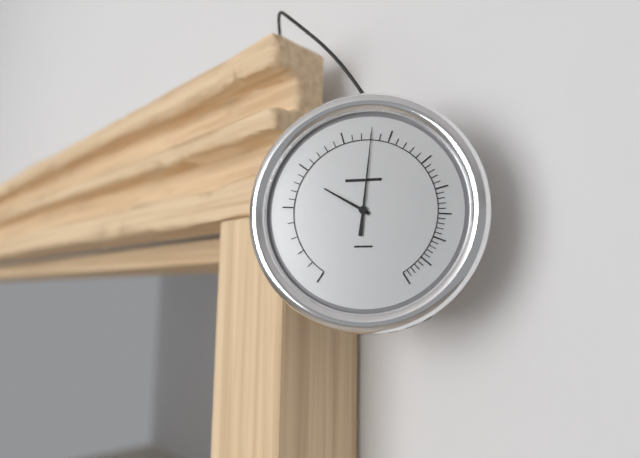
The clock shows h=10 m=1
